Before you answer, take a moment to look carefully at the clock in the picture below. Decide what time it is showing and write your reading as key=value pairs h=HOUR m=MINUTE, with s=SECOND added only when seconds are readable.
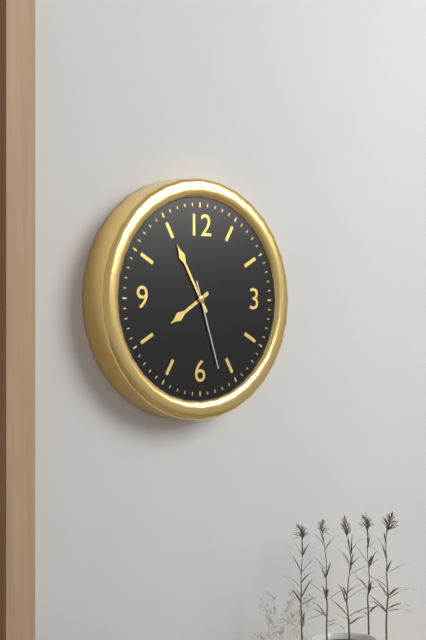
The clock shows h=7 m=55 s=27
